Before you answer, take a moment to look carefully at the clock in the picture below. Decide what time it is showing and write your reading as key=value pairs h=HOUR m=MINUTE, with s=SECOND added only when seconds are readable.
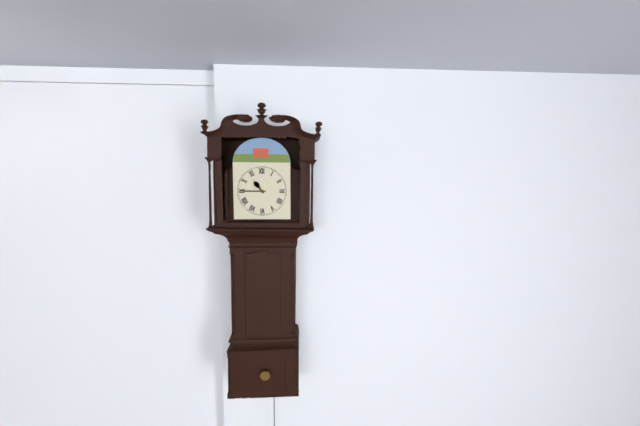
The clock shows h=10 m=45
